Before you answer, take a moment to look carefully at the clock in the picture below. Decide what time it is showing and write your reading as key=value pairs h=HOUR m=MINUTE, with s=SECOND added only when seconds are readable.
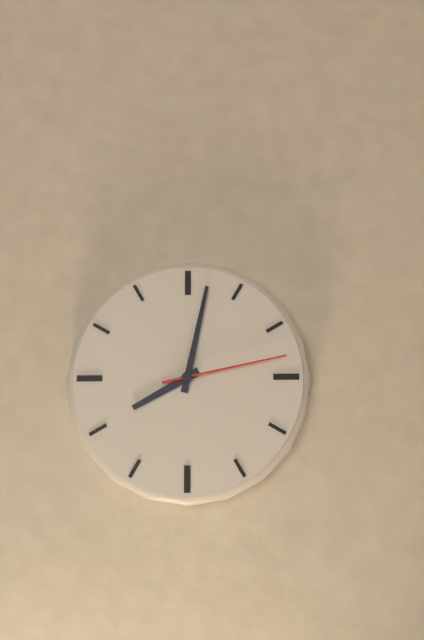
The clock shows h=8 m=2 s=13
